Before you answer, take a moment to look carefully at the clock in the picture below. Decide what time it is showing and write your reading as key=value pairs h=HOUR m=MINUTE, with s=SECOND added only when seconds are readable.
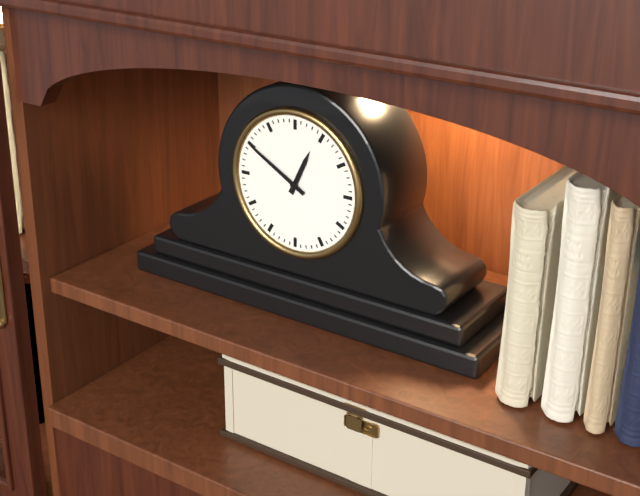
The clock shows h=12 m=50
